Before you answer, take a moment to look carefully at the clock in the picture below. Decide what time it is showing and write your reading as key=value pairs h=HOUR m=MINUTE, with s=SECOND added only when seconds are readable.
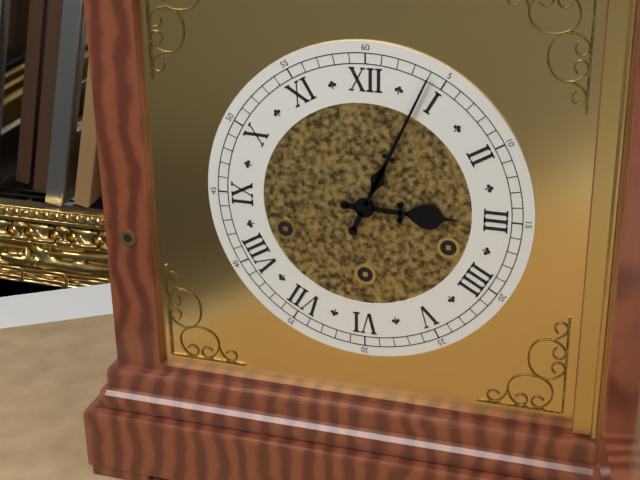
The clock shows h=3 m=4
